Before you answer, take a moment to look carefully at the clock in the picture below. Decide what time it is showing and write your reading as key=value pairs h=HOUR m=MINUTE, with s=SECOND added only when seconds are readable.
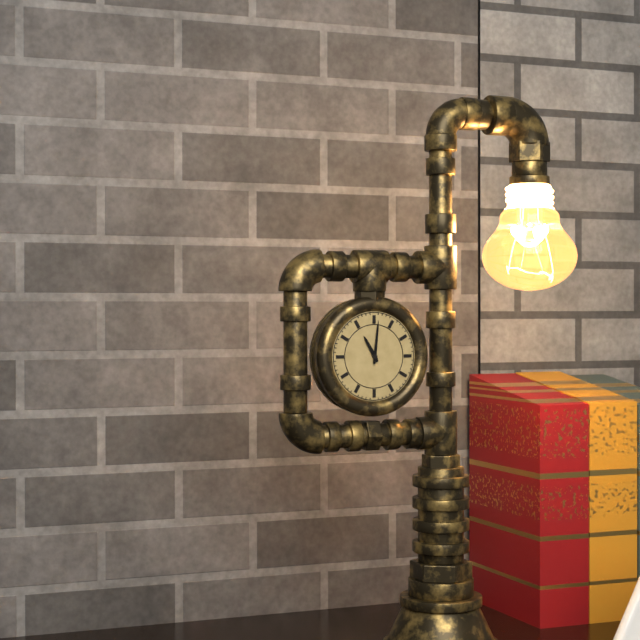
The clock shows h=11 m=1
